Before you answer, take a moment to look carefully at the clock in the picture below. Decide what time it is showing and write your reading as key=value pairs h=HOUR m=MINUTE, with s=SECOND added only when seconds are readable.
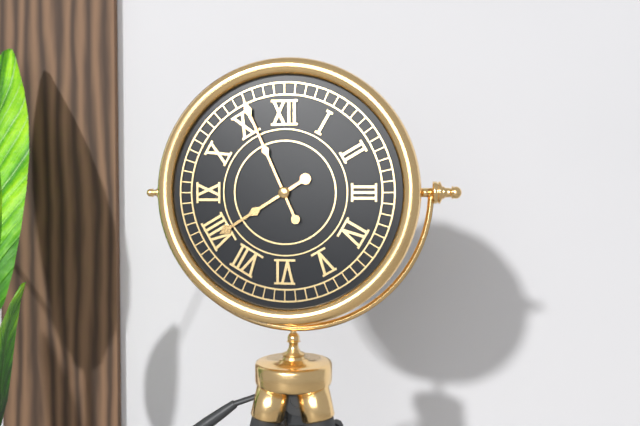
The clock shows h=7 m=56
